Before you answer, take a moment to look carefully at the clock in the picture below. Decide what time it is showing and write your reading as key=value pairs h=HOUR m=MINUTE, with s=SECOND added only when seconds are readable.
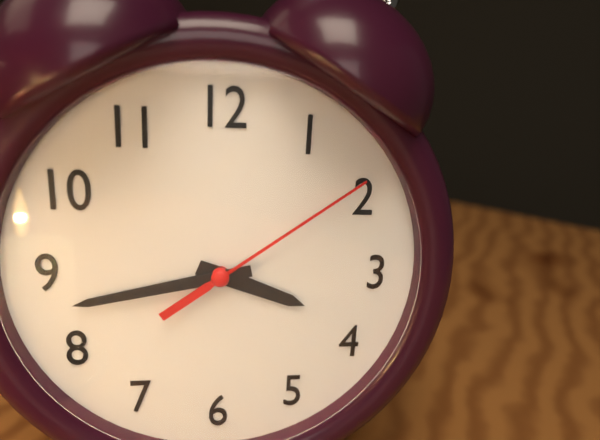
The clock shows h=3 m=43 s=9
